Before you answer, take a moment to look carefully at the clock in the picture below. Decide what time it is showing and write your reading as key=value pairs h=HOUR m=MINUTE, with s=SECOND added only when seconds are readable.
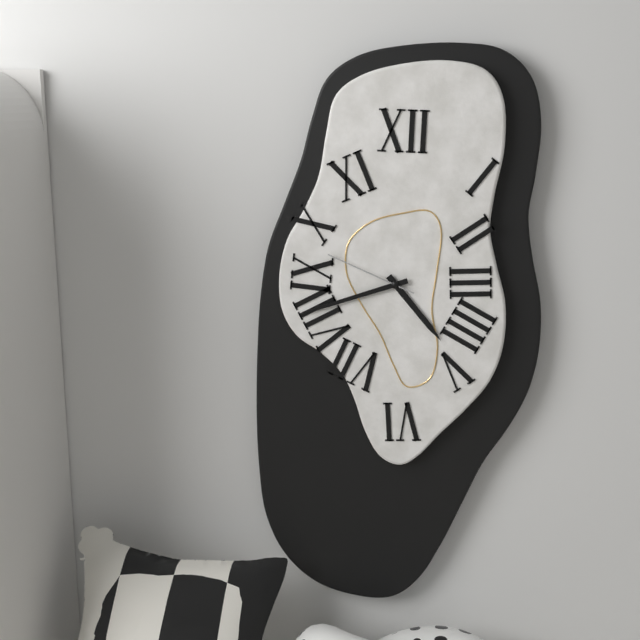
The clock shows h=4 m=42 s=49
